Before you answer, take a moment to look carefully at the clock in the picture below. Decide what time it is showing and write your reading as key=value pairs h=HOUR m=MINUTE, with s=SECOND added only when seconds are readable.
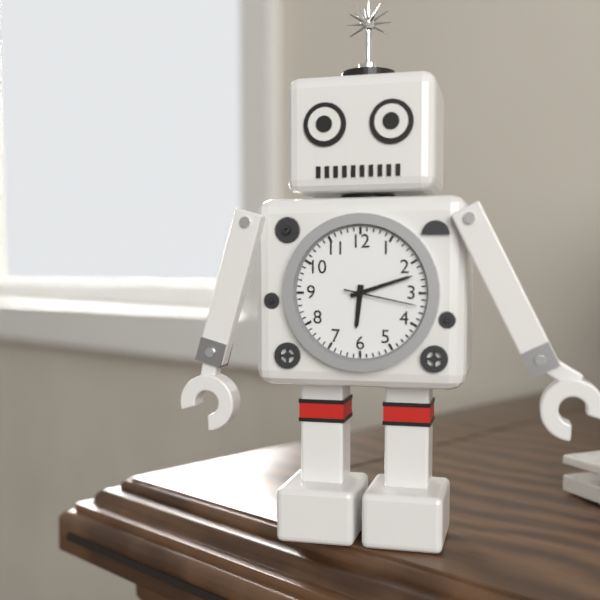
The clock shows h=6 m=12 s=17
